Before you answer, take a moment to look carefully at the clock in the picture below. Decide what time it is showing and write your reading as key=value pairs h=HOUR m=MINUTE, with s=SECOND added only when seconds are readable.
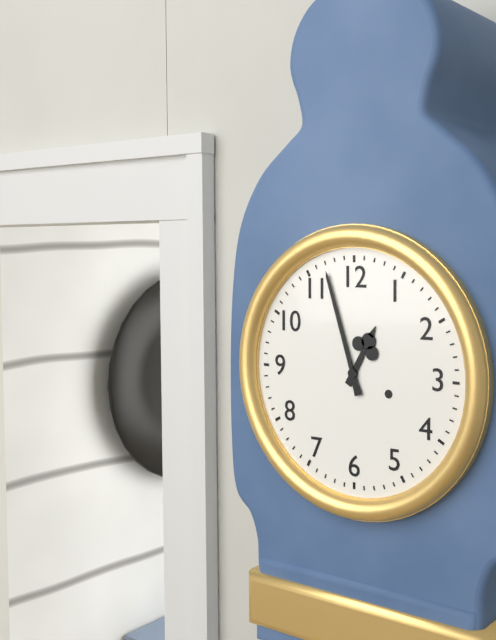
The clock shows h=12 m=57
